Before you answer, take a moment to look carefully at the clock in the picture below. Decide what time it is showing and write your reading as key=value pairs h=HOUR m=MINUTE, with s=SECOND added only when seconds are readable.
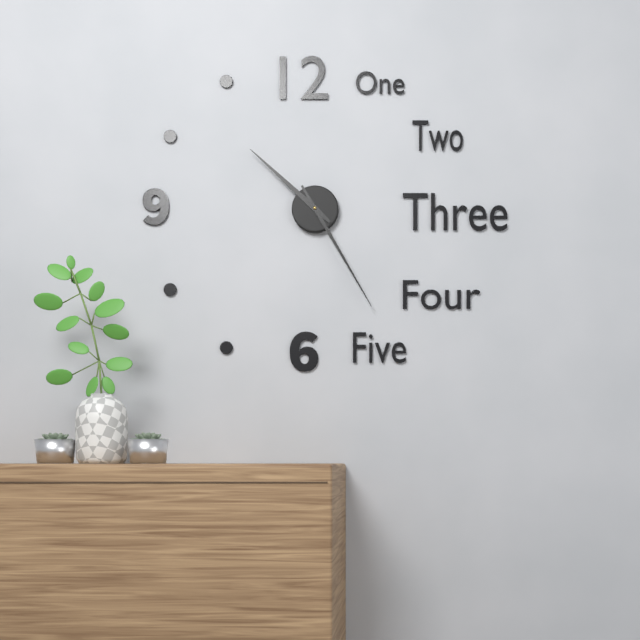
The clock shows h=10 m=25
